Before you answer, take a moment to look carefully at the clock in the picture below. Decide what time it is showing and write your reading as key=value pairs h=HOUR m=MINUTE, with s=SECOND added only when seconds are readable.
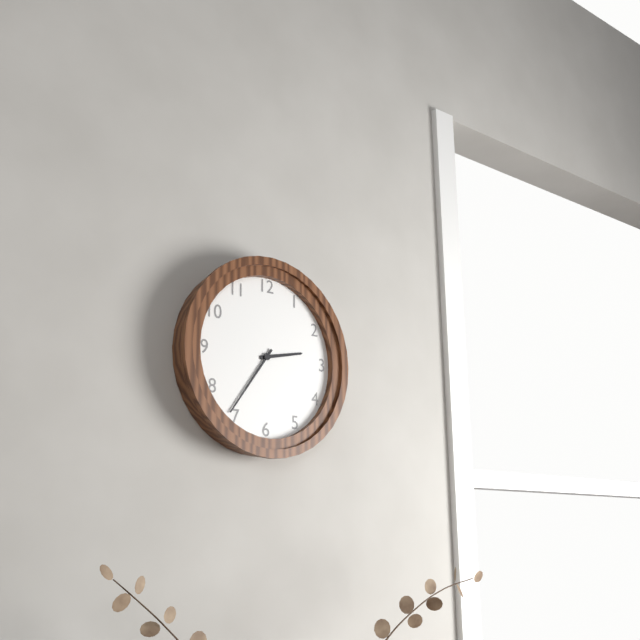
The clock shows h=2 m=36
